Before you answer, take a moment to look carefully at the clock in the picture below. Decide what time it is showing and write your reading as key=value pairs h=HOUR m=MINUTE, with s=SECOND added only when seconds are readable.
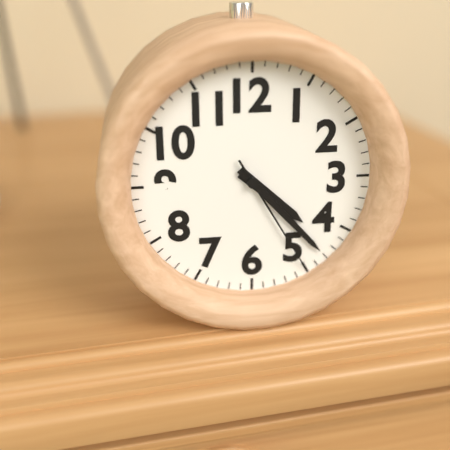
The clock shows h=4 m=23 s=25
